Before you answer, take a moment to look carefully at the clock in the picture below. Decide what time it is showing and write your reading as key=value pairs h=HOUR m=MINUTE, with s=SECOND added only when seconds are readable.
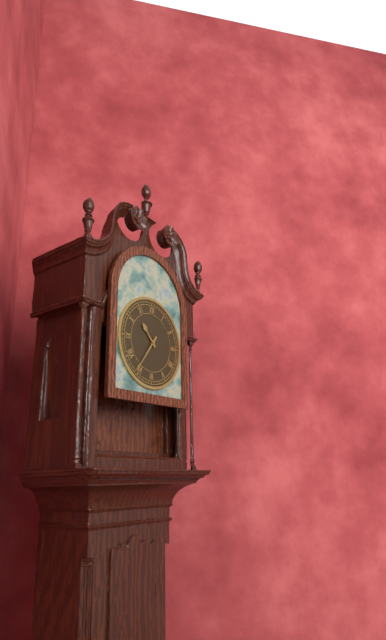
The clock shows h=10 m=36
